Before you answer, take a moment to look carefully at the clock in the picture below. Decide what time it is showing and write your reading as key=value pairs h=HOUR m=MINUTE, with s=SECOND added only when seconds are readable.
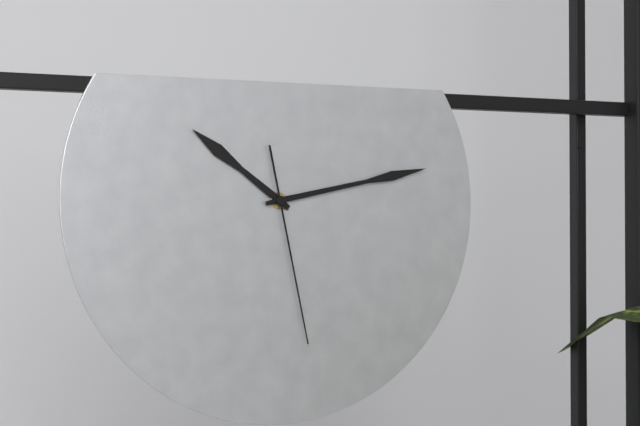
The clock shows h=10 m=13 s=28
